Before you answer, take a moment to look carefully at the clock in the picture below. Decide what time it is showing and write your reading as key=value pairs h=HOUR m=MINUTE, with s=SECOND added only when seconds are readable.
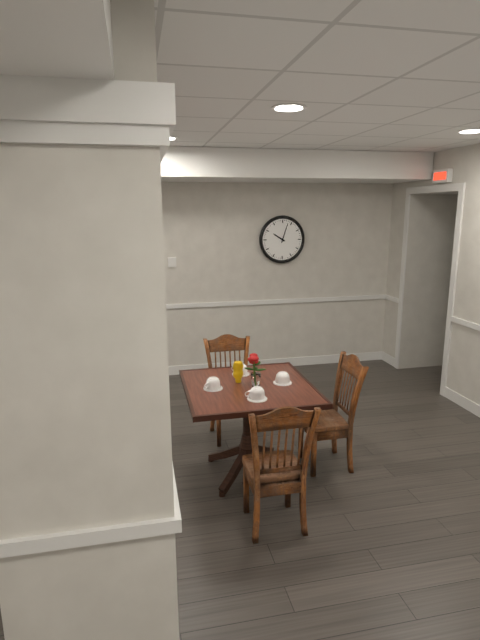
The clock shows h=10 m=3
